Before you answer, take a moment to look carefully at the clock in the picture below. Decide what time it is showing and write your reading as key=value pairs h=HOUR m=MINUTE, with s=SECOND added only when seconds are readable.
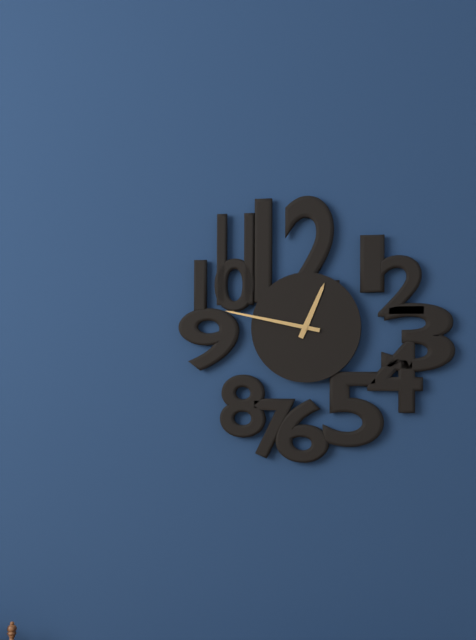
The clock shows h=12 m=47
